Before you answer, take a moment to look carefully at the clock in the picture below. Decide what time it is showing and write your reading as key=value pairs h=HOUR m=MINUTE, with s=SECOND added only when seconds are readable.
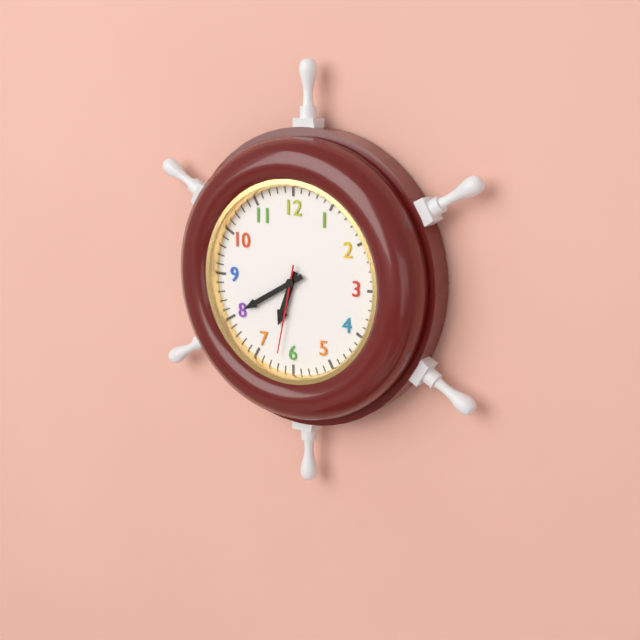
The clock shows h=6 m=40 s=32
